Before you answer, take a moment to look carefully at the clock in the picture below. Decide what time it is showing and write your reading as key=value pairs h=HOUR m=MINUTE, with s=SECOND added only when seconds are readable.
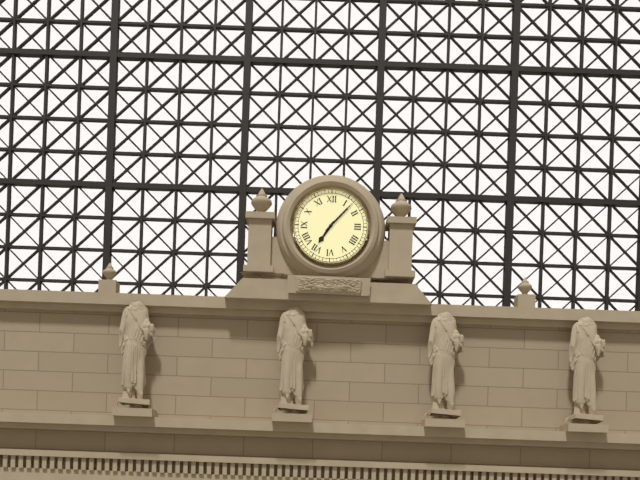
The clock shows h=7 m=7
